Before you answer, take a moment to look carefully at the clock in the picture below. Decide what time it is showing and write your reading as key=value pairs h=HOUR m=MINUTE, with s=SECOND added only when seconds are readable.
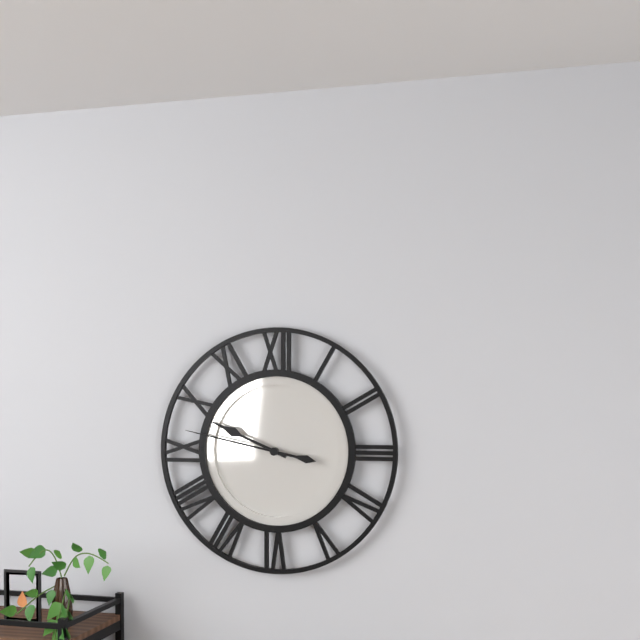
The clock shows h=9 m=47
